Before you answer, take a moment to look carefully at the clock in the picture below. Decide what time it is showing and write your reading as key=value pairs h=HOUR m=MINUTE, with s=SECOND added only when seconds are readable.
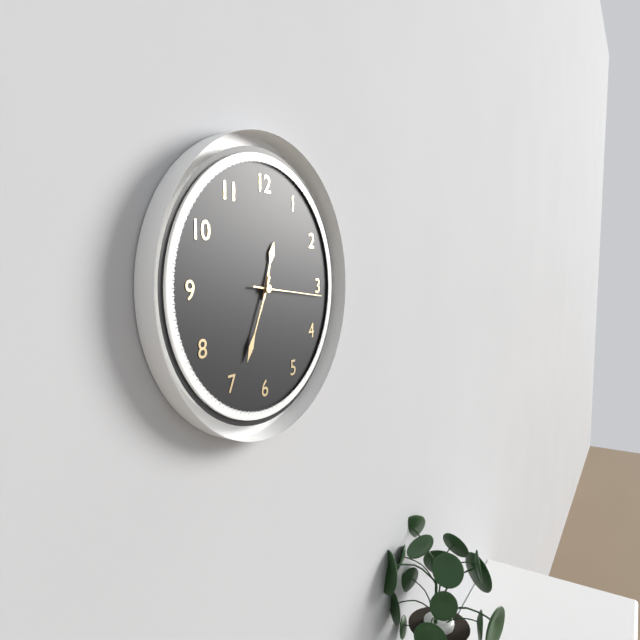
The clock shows h=12 m=34 s=16
